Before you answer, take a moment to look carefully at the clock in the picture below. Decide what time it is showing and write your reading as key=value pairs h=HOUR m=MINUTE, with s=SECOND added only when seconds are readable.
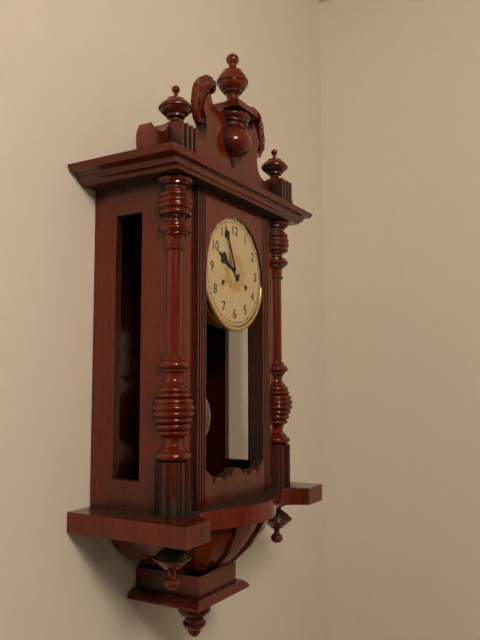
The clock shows h=9 m=56
